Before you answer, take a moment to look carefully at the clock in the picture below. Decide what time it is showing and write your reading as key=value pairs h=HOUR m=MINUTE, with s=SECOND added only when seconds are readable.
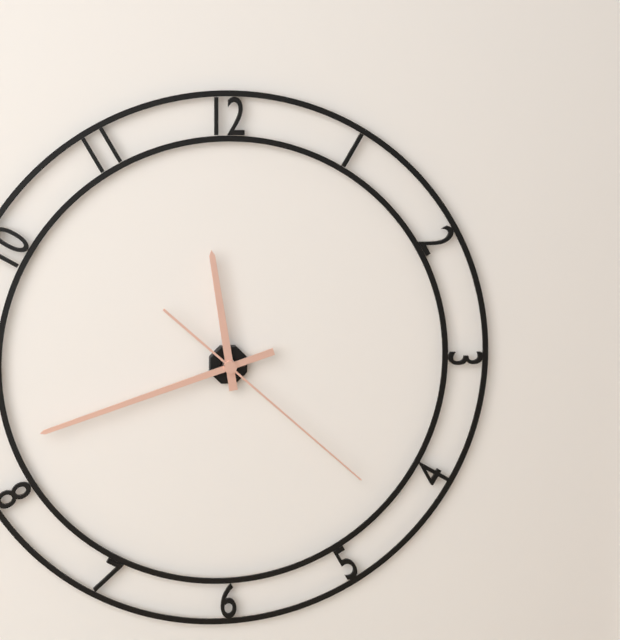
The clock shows h=11 m=42 s=22
